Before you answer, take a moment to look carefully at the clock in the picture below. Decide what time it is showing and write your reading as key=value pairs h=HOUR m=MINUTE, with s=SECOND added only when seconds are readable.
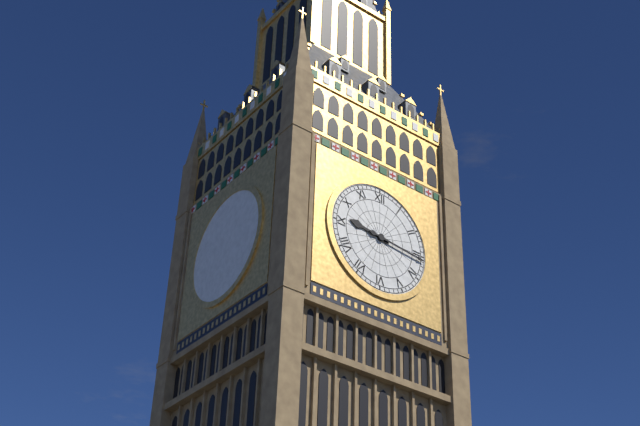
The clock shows h=9 m=16
